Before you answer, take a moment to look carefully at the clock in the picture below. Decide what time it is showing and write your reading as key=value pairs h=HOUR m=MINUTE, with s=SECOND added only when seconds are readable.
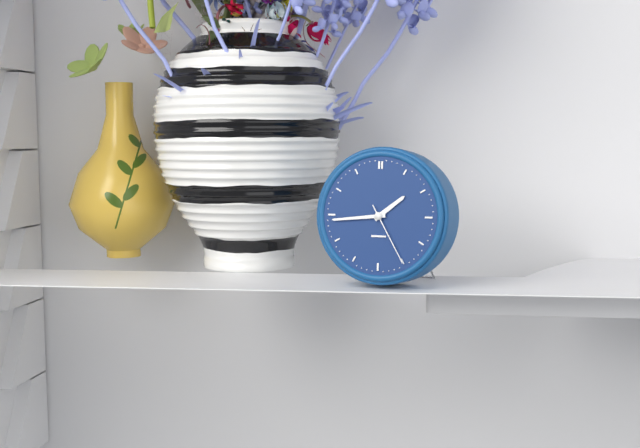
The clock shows h=1 m=44 s=25
